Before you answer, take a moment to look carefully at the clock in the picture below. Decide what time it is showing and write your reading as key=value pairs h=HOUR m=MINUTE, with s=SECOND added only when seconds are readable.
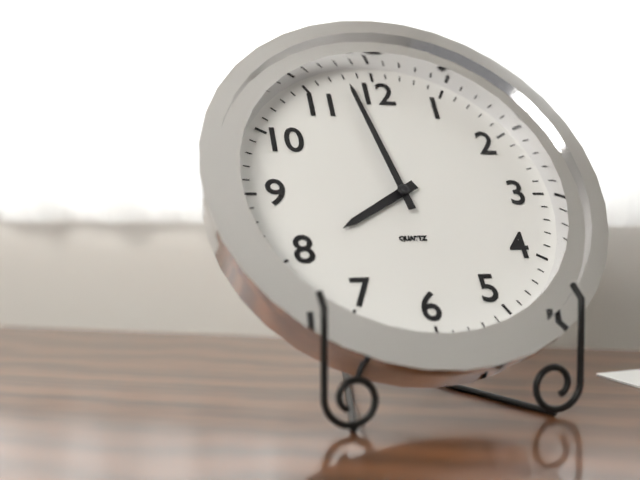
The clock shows h=7 m=58
